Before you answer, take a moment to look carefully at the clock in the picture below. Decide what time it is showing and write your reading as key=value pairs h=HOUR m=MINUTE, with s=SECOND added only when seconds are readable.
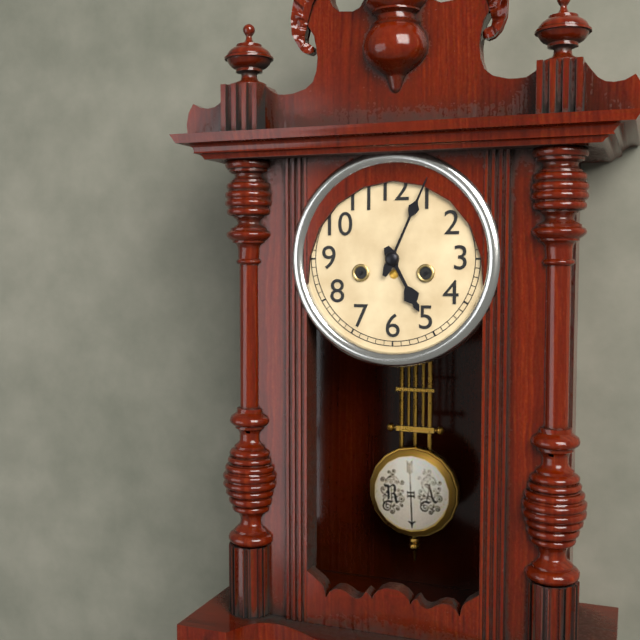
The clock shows h=5 m=4
